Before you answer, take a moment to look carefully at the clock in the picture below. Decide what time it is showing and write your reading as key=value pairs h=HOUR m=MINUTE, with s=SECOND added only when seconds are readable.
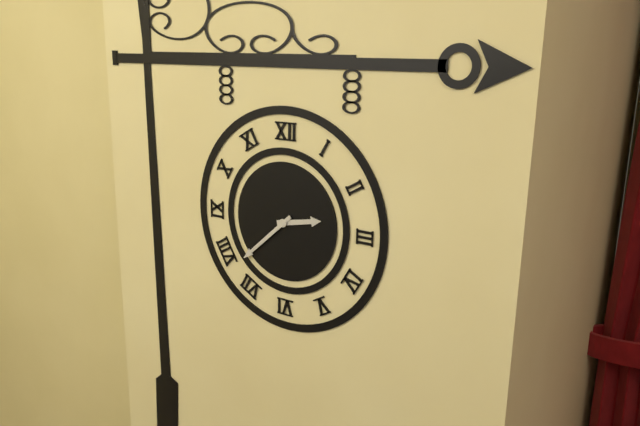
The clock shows h=2 m=38
